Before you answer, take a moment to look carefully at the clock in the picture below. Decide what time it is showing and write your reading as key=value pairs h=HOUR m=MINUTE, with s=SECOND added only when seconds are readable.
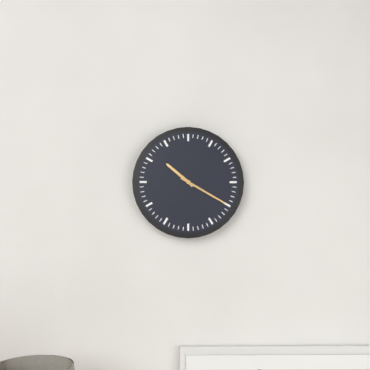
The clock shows h=10 m=20
